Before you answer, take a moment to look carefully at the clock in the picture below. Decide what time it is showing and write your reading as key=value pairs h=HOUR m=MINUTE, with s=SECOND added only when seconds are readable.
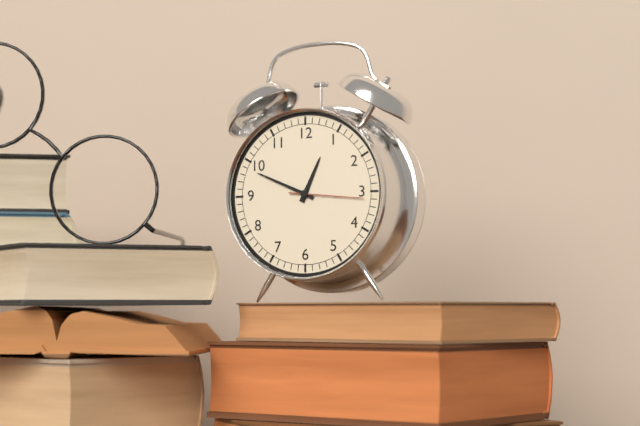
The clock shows h=12 m=49 s=16
